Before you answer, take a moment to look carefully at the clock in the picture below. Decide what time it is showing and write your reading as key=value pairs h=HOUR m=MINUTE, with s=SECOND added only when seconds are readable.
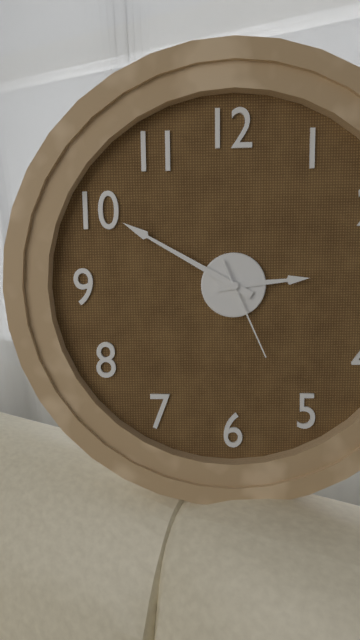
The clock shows h=2 m=50 s=26
